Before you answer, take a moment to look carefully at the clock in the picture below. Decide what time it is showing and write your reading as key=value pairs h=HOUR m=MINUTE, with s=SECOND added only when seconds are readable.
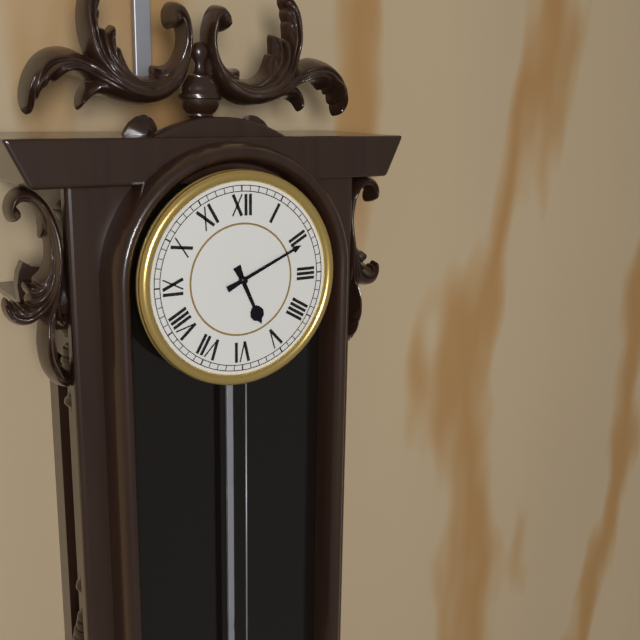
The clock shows h=5 m=11
